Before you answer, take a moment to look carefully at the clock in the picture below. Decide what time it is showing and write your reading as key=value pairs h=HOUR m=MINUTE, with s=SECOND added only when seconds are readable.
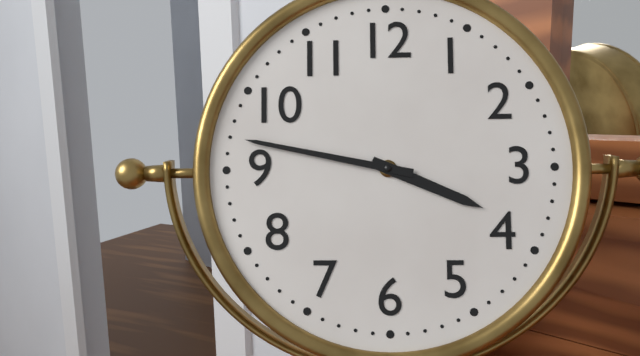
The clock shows h=3 m=47
